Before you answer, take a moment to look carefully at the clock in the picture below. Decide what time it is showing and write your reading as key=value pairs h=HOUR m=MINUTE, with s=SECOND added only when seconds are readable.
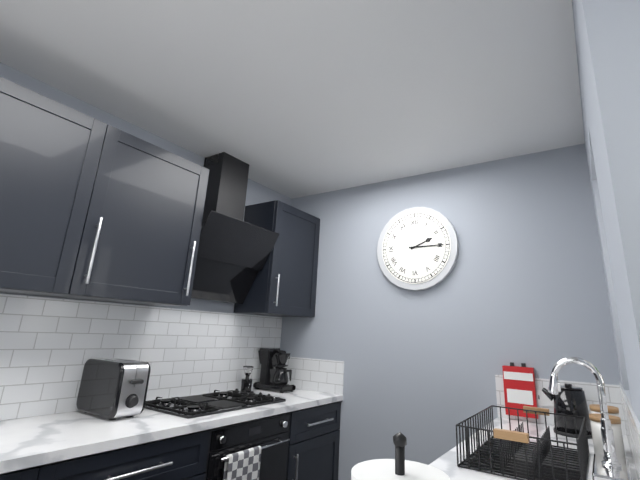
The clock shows h=2 m=15
